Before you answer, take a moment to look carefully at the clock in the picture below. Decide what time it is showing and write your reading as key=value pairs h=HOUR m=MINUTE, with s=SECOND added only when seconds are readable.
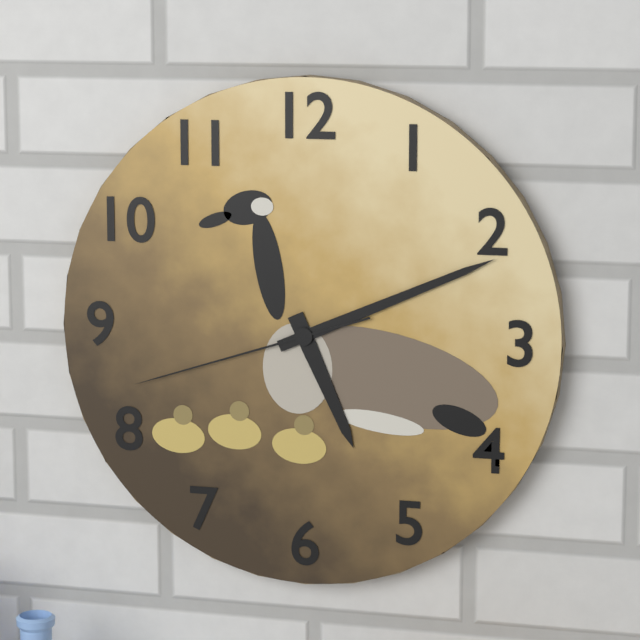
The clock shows h=5 m=11 s=42
